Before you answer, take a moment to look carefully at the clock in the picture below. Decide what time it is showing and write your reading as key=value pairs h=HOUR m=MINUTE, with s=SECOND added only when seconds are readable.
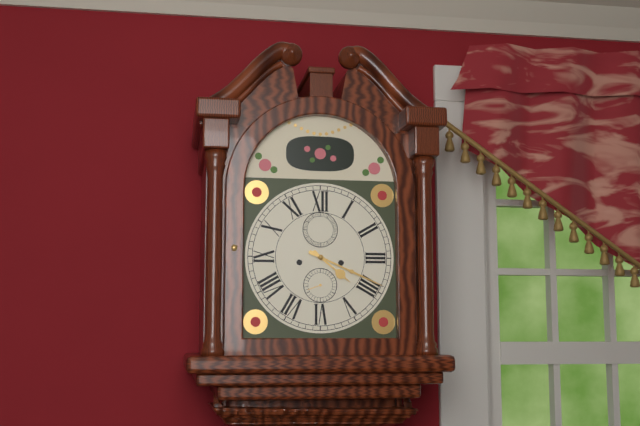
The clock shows h=4 m=19
